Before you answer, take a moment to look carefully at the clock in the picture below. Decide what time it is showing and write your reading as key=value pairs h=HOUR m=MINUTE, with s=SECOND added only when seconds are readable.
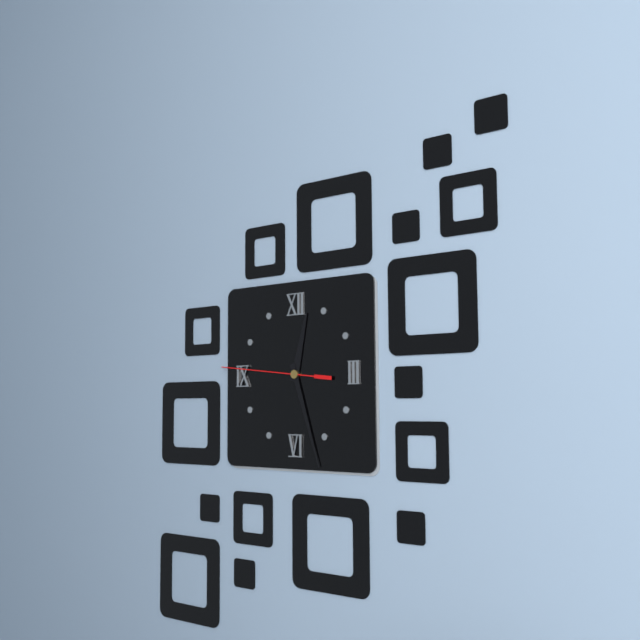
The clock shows h=12 m=27 s=46
